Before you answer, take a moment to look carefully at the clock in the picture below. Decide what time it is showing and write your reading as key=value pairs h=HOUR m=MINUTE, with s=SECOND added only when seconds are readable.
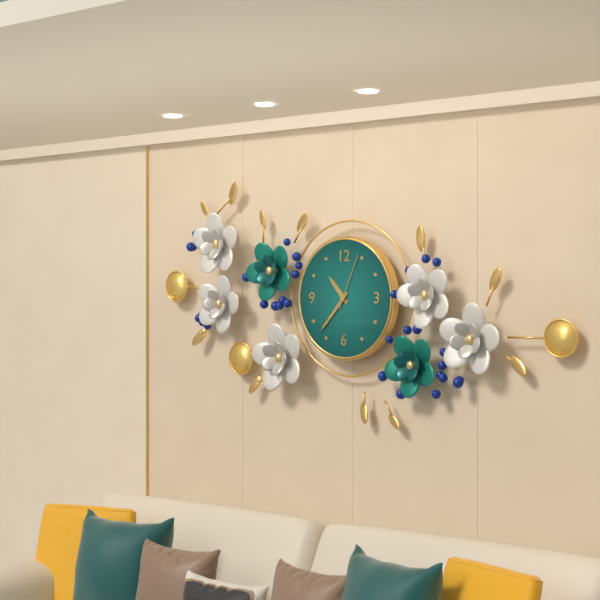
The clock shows h=10 m=37 s=4
